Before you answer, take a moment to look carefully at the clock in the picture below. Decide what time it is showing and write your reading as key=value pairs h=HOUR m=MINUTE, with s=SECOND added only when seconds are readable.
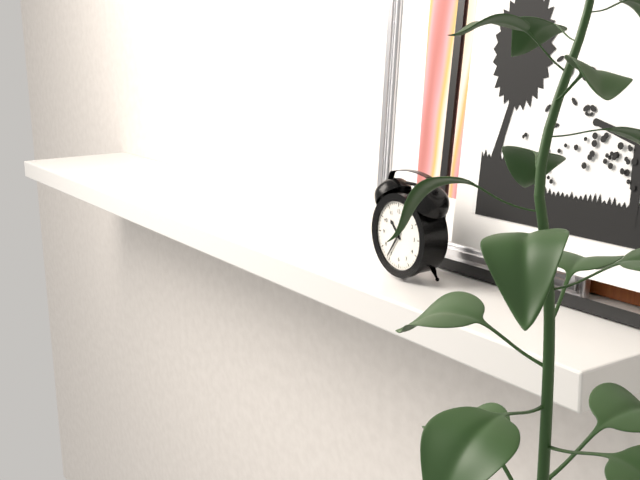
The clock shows h=10 m=36
